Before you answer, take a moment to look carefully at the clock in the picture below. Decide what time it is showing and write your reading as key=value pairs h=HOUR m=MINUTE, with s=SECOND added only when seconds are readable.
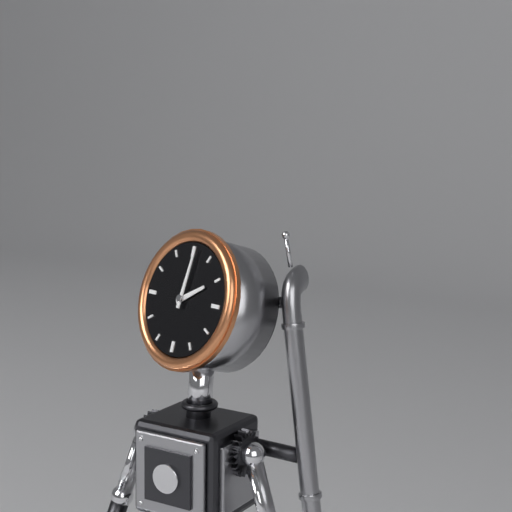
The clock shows h=2 m=1
